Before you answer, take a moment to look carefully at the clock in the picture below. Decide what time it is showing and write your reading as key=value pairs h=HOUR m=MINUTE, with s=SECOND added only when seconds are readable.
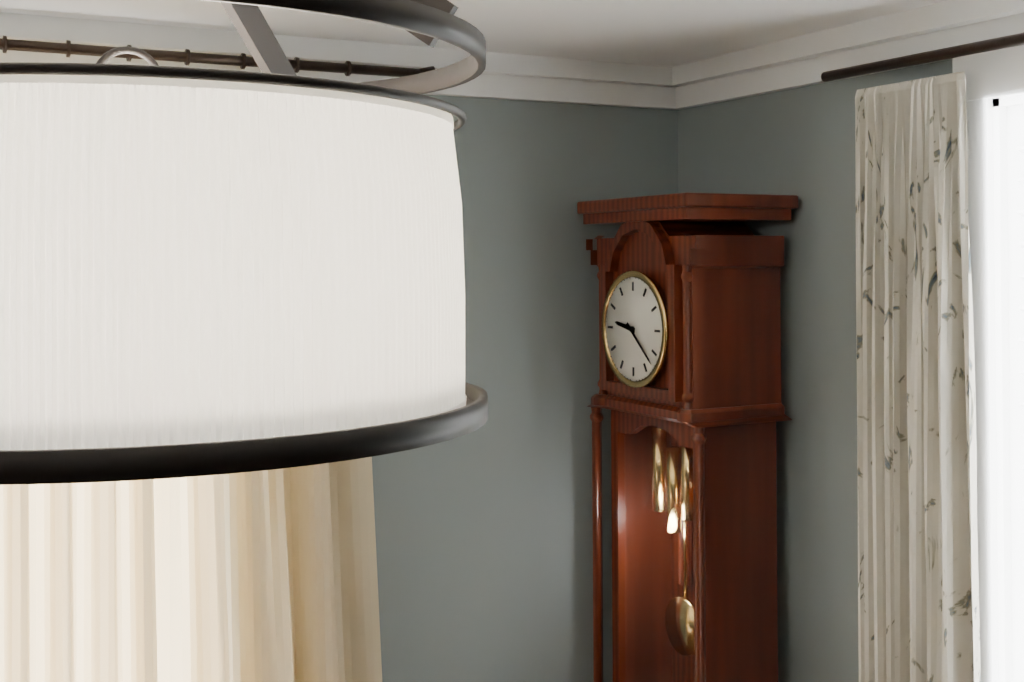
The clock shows h=9 m=22
